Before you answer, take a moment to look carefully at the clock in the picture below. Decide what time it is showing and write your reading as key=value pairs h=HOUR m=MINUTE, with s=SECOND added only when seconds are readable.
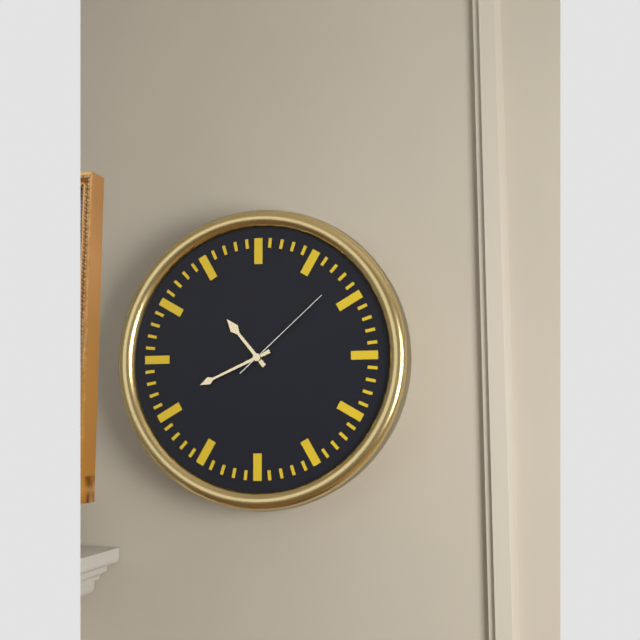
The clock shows h=10 m=41 s=8
